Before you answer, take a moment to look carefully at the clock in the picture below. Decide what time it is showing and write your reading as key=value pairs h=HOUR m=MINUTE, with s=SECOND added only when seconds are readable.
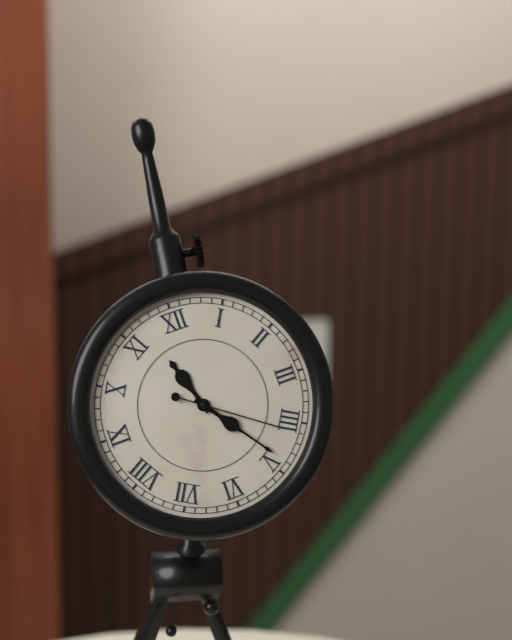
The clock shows h=11 m=24 s=21
